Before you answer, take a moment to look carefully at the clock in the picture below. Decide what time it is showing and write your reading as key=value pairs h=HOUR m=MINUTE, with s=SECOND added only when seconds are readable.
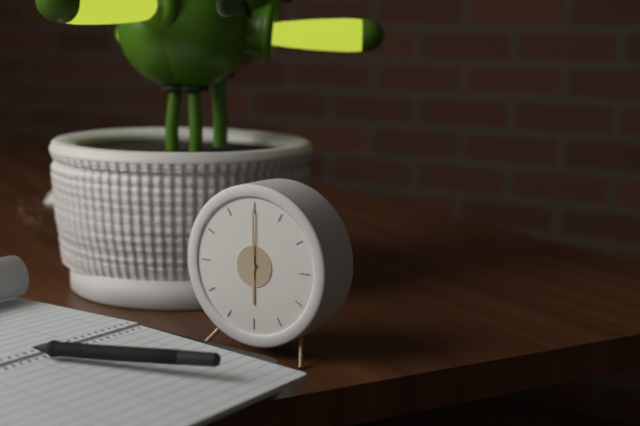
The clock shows h=6 m=0
